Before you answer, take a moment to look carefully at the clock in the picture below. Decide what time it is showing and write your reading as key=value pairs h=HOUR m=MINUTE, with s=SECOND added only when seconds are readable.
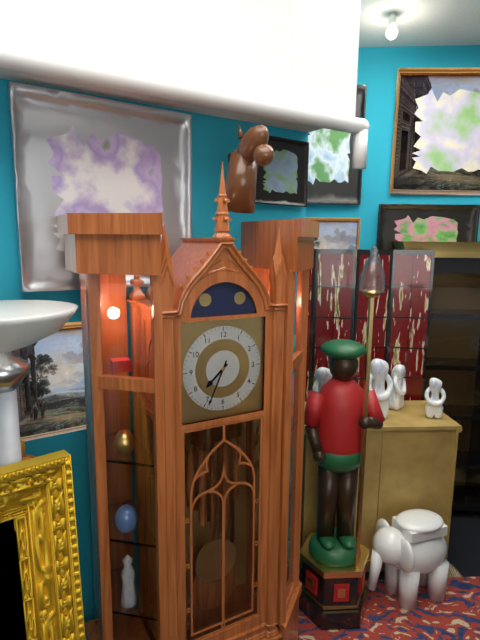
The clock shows h=7 m=34
